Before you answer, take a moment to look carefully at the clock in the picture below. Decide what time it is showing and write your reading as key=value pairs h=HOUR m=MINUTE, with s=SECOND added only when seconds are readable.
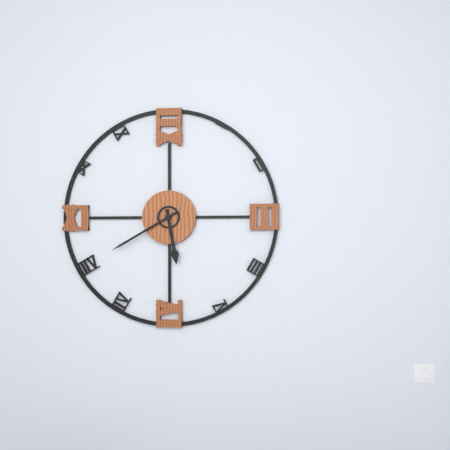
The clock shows h=5 m=40
